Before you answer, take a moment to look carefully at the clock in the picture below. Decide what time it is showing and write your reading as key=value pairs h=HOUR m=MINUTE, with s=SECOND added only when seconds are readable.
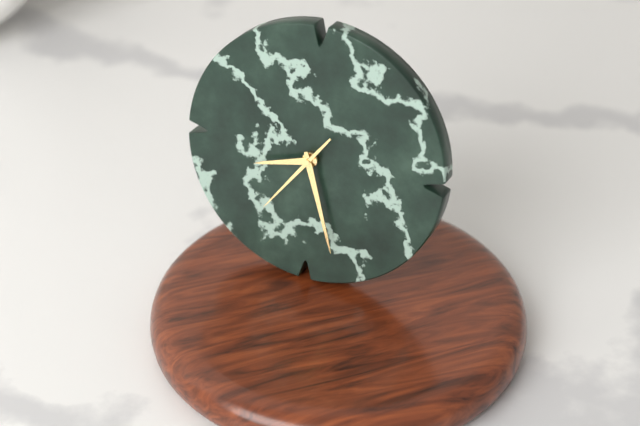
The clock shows h=8 m=27 s=36
